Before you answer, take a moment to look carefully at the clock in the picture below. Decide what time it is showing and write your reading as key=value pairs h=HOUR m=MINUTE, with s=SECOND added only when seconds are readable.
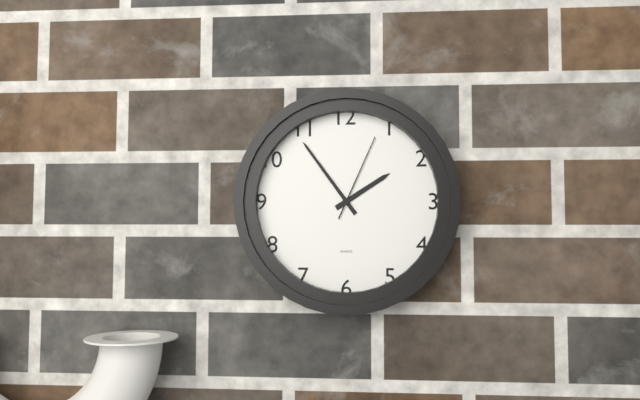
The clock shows h=1 m=54 s=4
